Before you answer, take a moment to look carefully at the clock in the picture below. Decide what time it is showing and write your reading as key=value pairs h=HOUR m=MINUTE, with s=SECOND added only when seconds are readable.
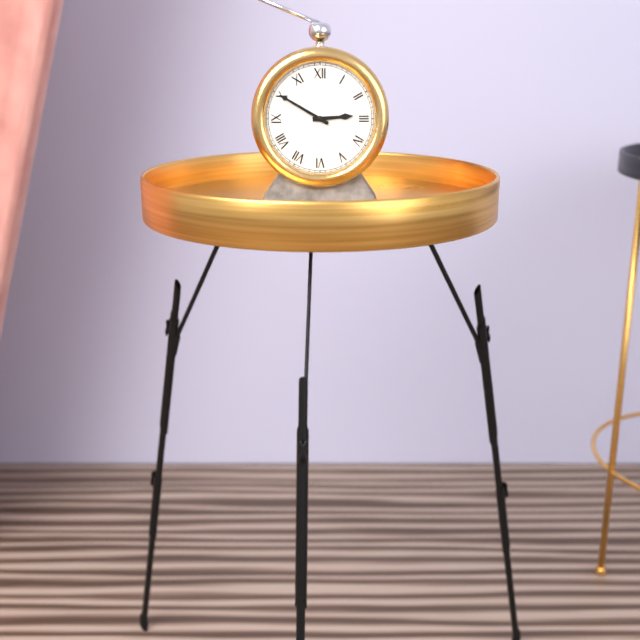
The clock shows h=2 m=50
